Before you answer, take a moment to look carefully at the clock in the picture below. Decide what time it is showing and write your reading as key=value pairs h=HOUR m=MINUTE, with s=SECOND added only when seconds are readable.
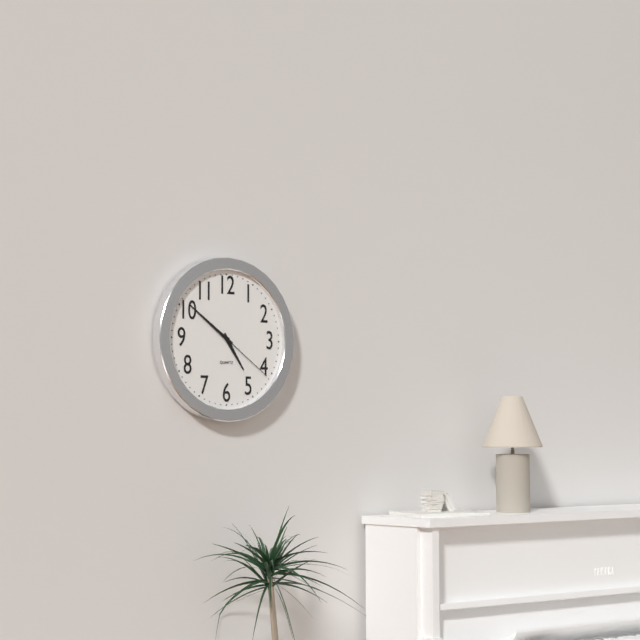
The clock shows h=4 m=51 s=21
